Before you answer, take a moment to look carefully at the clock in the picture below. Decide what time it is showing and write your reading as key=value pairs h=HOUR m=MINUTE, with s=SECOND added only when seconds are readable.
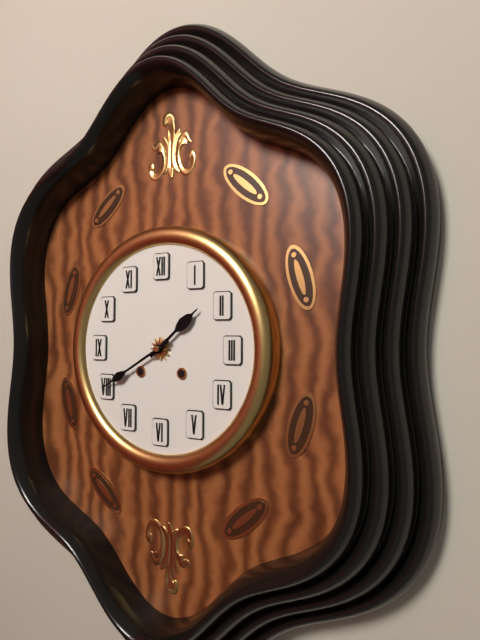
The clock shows h=1 m=40
